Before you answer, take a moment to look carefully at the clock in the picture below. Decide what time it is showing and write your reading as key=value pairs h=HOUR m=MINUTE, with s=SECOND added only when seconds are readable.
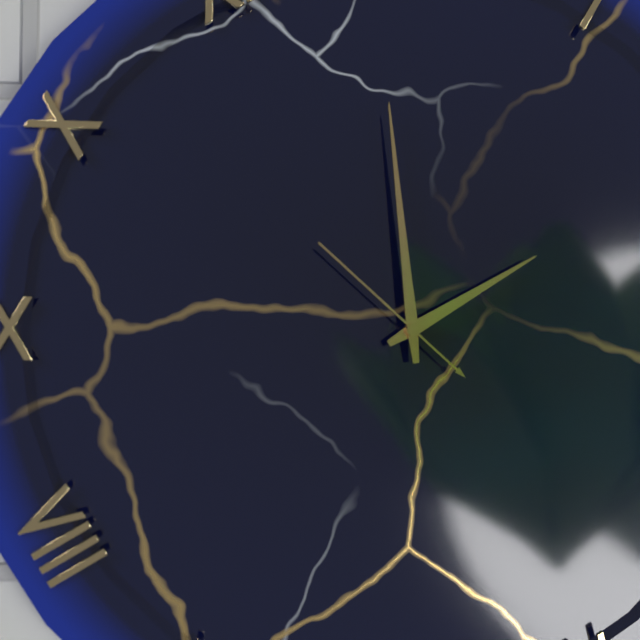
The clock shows h=1 m=59 s=52
